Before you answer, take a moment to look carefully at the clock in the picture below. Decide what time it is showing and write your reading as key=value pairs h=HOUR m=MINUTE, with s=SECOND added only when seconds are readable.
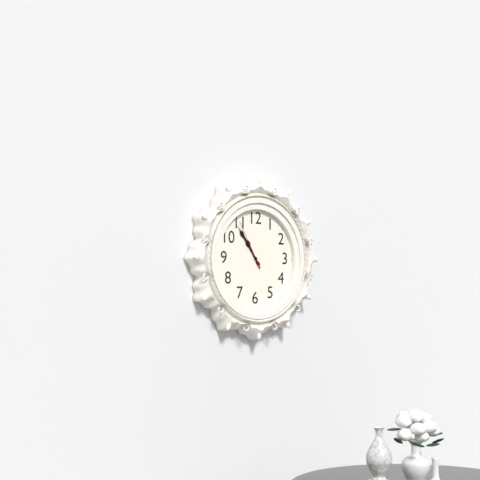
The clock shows h=10 m=54 s=55
